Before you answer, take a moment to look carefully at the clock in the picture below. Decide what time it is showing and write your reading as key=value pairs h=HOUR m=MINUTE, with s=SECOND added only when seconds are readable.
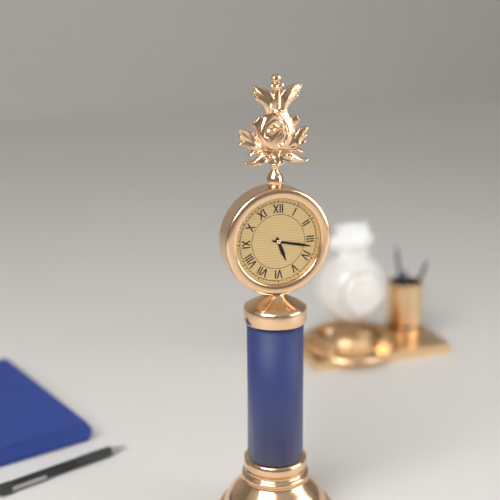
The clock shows h=5 m=17
